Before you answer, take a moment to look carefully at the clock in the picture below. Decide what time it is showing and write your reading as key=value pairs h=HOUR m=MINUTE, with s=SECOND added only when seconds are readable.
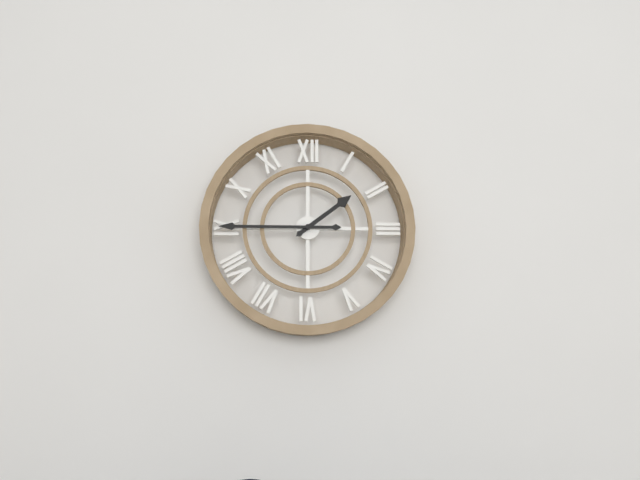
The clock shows h=1 m=45
